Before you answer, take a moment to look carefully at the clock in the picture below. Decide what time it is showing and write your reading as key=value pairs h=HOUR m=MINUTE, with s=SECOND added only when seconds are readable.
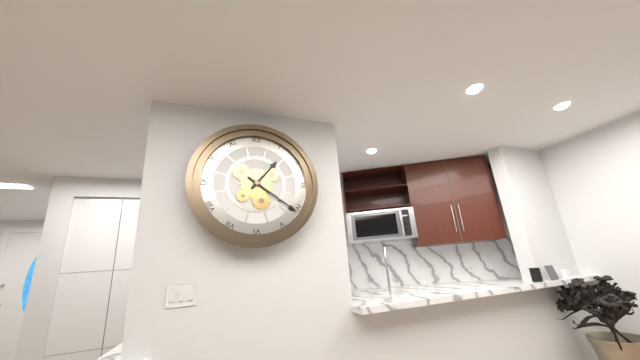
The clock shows h=1 m=21
